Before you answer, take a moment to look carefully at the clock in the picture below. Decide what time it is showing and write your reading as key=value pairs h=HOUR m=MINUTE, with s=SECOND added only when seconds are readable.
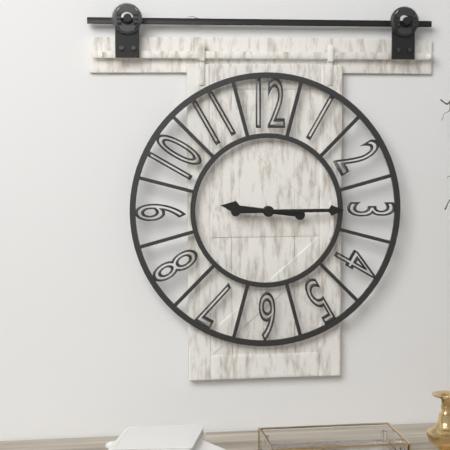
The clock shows h=9 m=15
